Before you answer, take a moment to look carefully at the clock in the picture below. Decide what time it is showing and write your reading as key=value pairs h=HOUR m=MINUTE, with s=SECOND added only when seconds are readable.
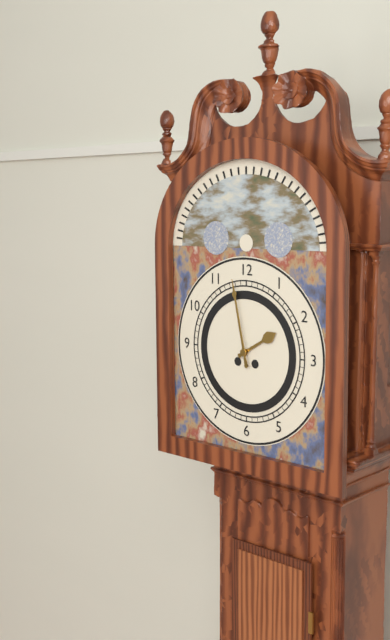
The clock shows h=1 m=58
